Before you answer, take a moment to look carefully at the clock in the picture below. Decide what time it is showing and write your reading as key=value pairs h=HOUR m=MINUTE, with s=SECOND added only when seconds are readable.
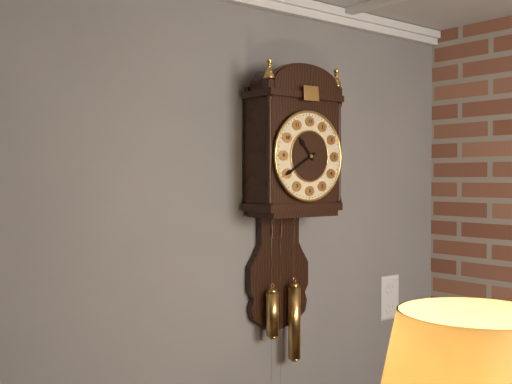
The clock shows h=10 m=40
